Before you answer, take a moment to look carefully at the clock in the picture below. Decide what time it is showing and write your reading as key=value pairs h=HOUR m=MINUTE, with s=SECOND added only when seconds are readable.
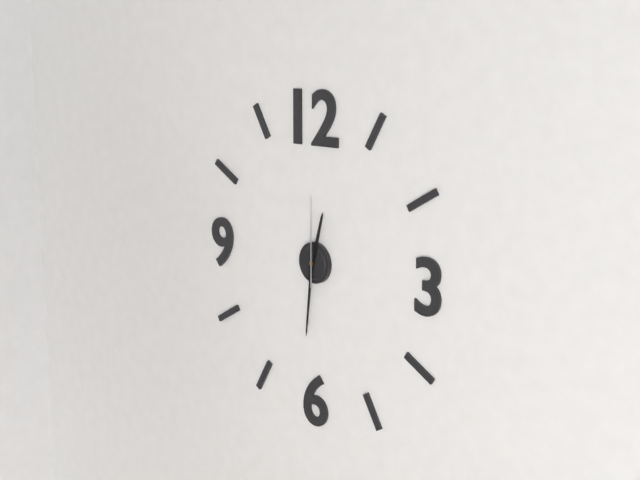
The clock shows h=12 m=31 s=0
